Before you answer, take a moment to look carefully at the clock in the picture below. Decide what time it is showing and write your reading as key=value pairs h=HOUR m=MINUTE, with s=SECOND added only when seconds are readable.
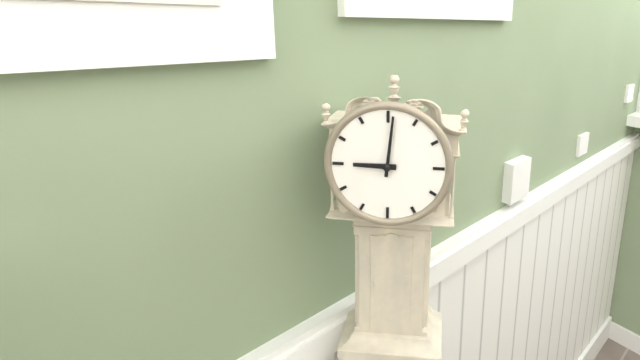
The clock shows h=9 m=1
